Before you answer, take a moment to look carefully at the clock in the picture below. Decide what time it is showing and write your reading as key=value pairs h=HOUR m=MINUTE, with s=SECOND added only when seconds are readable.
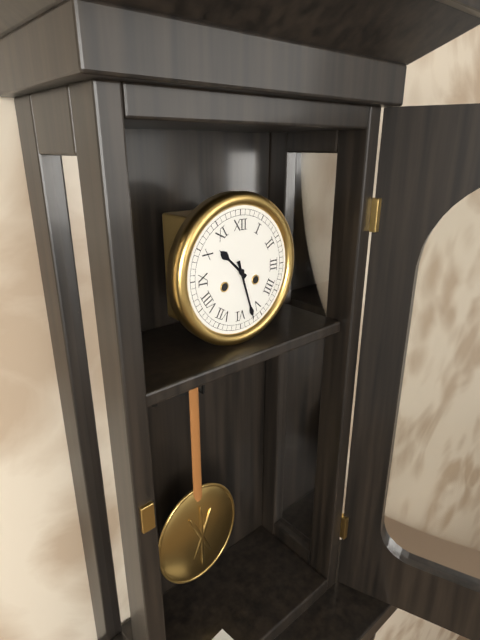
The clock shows h=10 m=27
